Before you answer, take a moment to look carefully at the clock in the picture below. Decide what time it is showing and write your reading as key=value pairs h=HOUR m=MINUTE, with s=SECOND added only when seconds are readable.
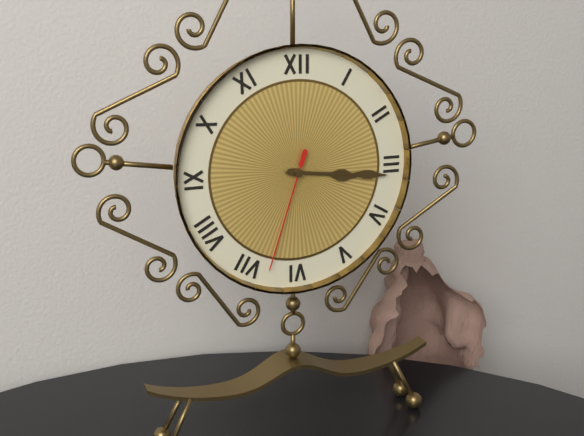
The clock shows h=3 m=16 s=33
